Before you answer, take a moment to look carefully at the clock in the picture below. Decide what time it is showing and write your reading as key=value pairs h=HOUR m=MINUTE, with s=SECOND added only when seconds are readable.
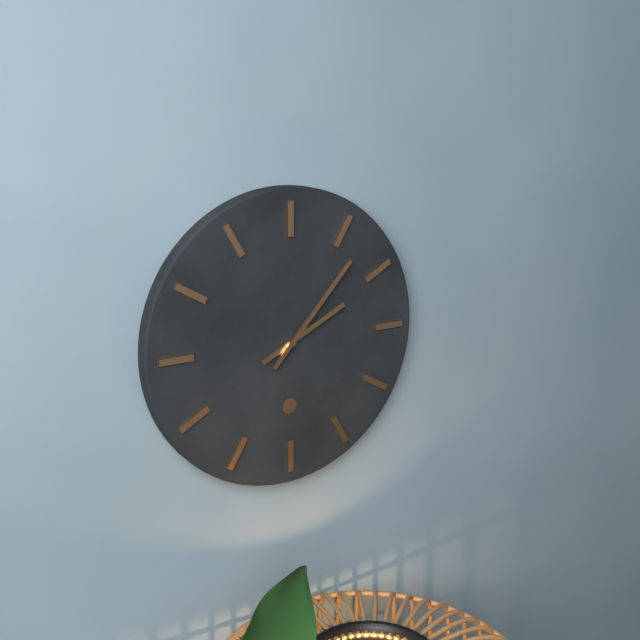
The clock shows h=2 m=7
